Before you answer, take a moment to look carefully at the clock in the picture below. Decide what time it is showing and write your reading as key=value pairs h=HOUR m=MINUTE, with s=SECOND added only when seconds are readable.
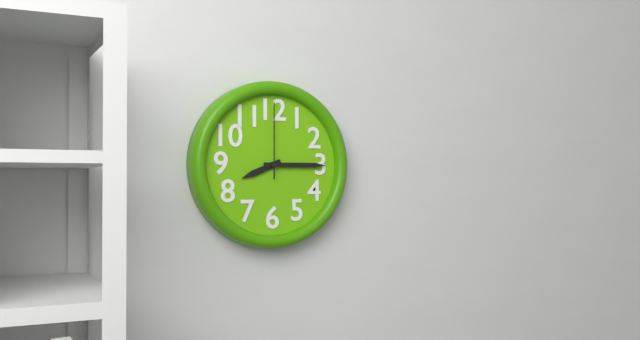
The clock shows h=8 m=15 s=0
